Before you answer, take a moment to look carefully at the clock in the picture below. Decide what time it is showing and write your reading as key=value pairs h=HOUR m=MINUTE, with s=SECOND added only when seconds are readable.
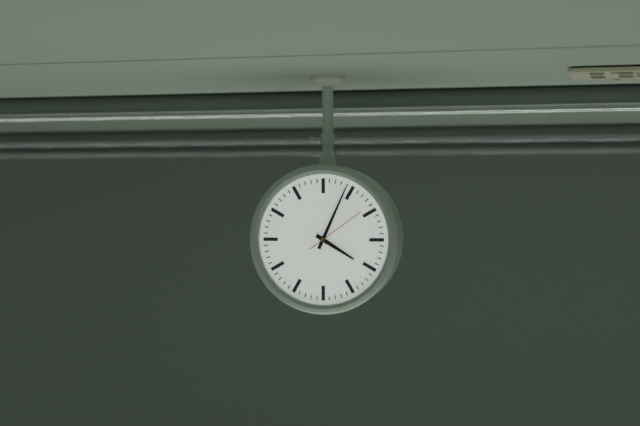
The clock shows h=4 m=4 s=9
